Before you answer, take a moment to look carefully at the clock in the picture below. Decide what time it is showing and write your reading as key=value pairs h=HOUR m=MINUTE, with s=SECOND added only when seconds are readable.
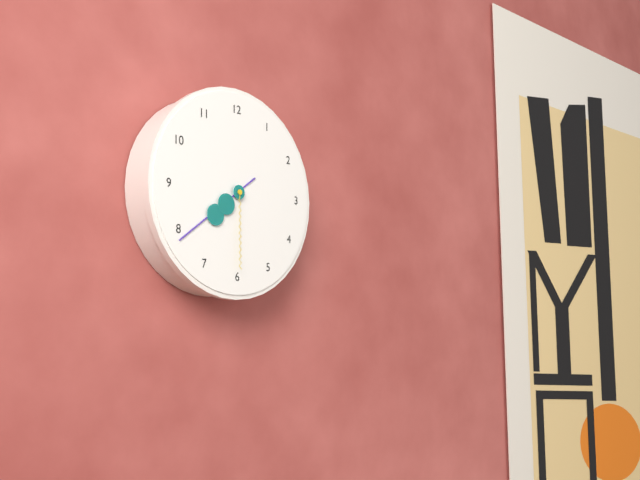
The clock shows h=7 m=39 s=30
